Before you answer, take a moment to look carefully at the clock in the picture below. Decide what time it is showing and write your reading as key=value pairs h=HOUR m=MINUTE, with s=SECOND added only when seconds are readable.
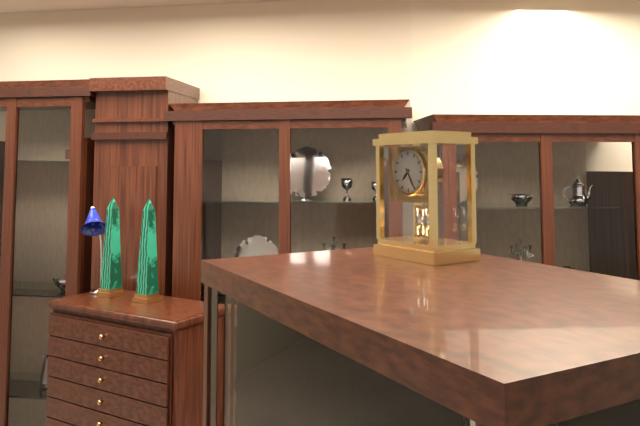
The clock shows h=7 m=25
